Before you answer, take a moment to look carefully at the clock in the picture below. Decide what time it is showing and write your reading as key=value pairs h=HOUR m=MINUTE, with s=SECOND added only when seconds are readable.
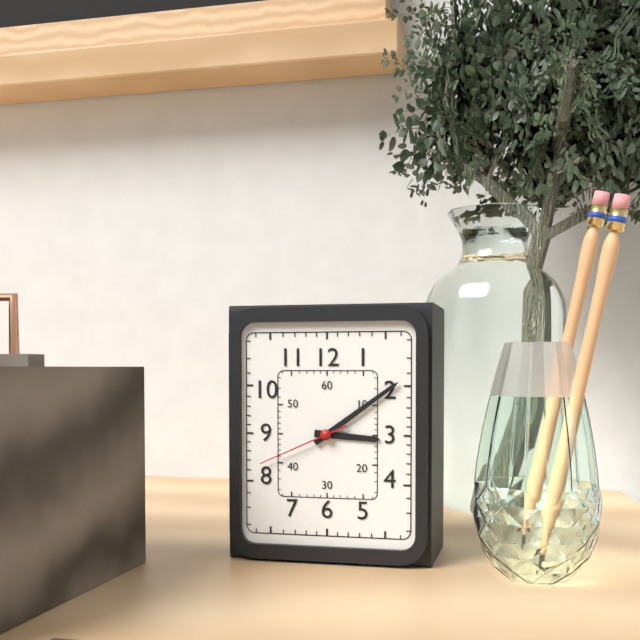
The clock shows h=3 m=9 s=41
